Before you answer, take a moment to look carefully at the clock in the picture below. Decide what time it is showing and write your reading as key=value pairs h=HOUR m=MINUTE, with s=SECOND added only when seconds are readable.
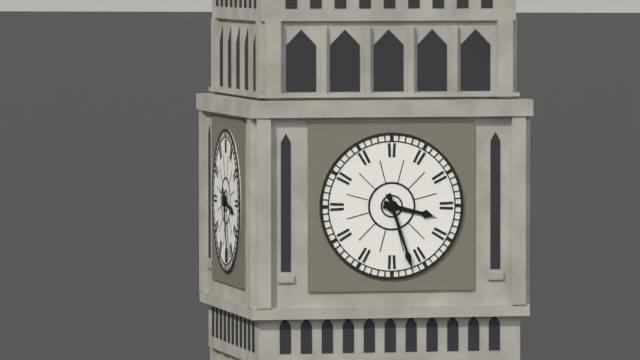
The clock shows h=3 m=27
